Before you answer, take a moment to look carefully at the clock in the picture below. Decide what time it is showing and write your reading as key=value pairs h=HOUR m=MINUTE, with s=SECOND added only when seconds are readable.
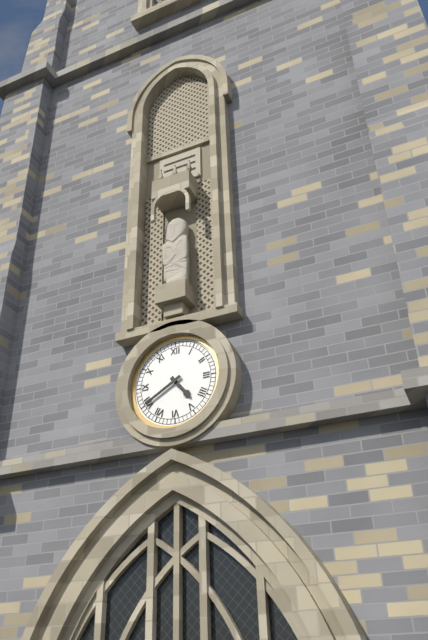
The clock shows h=4 m=40
